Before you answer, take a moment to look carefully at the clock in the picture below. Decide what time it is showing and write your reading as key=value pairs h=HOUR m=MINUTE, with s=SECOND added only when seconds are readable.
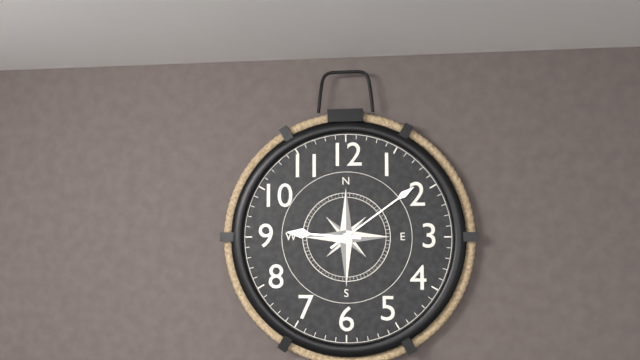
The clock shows h=9 m=9
